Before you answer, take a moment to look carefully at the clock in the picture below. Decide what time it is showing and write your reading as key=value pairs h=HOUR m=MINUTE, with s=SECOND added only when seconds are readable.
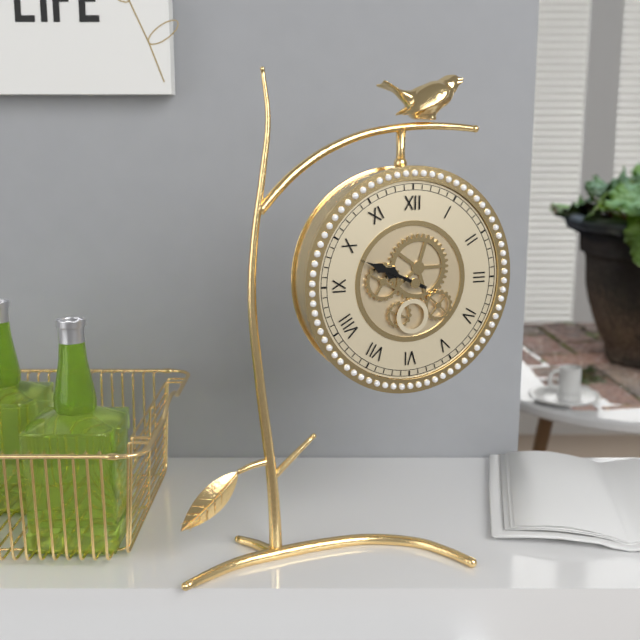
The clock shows h=9 m=49
